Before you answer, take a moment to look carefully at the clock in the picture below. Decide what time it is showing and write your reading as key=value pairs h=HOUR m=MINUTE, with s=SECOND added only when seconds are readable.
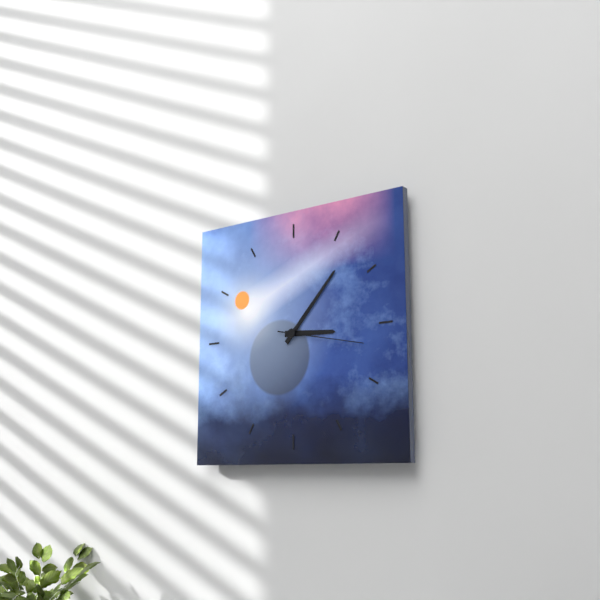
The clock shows h=3 m=7 s=17
